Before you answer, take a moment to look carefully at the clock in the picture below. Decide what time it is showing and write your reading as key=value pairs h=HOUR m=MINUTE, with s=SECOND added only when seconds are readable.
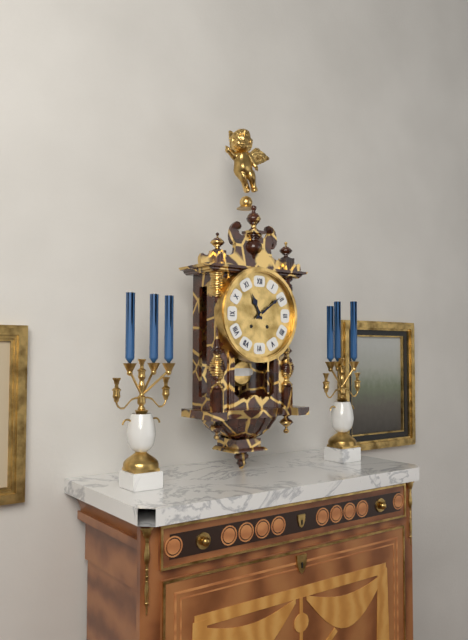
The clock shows h=11 m=9
